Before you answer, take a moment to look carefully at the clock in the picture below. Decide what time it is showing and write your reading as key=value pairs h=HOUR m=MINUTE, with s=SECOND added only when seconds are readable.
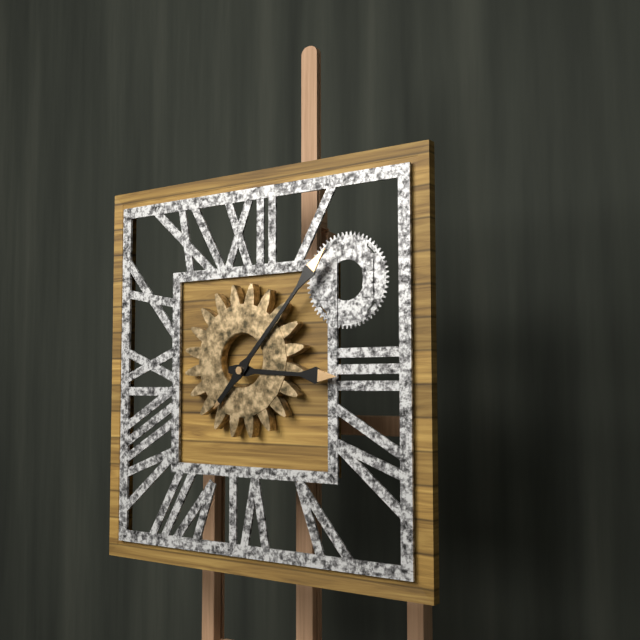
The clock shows h=3 m=7
